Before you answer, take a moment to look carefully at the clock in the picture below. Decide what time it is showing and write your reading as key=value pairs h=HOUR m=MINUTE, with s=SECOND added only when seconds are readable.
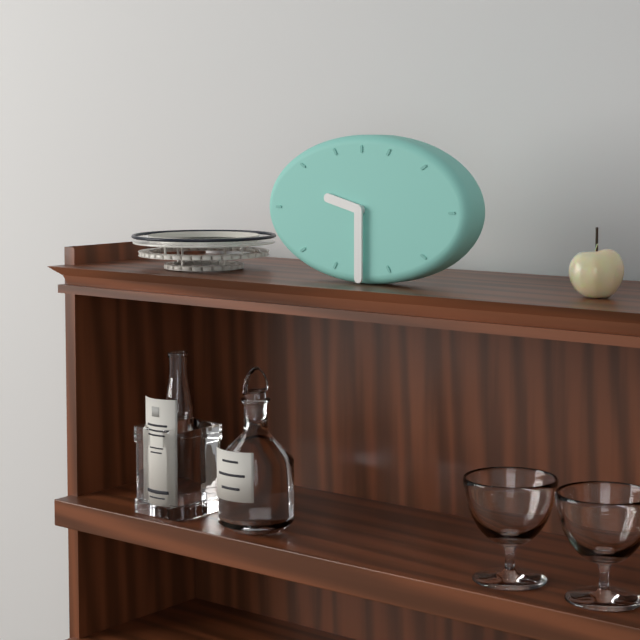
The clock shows h=9 m=30
